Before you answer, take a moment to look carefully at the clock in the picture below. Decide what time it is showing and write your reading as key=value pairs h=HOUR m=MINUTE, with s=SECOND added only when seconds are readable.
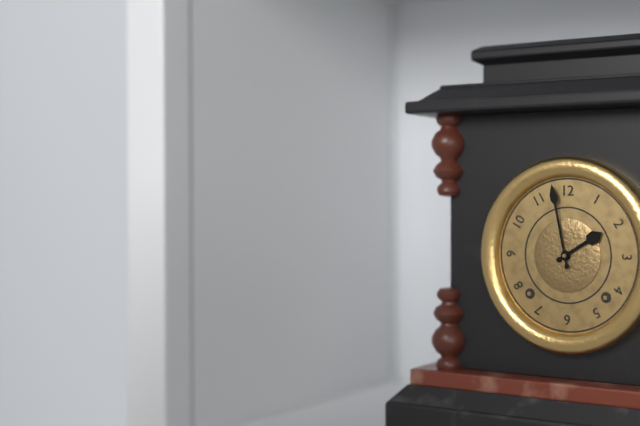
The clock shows h=1 m=58
